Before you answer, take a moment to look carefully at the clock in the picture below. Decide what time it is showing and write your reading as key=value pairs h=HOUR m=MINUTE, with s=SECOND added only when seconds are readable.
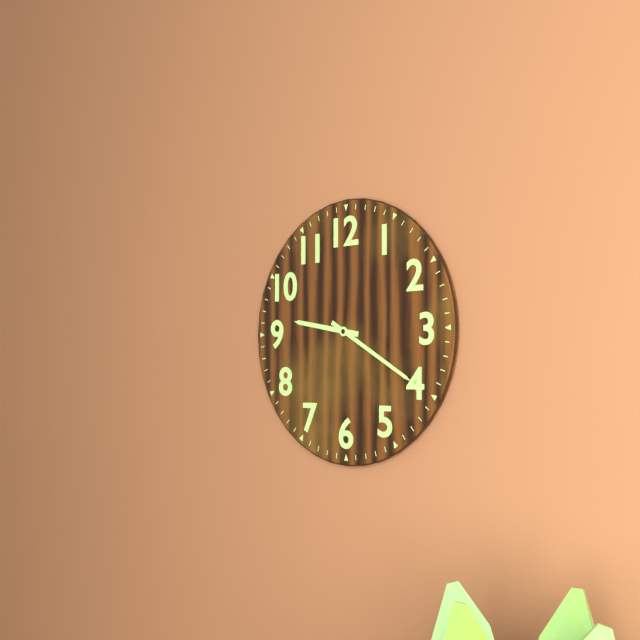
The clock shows h=9 m=20
